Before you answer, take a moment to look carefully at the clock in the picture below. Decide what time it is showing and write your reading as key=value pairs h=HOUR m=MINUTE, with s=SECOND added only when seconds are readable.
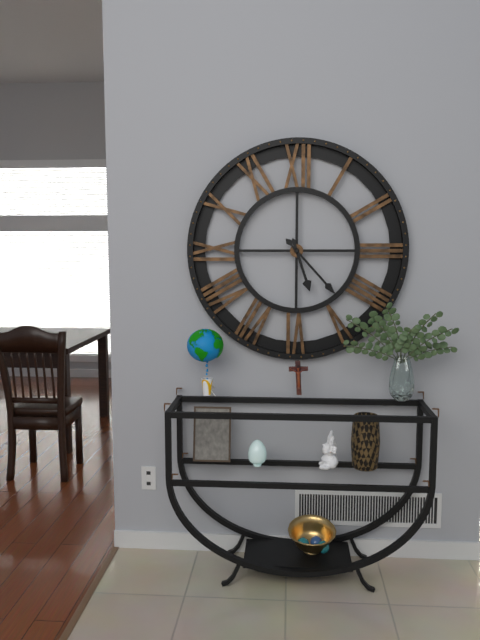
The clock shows h=5 m=23
